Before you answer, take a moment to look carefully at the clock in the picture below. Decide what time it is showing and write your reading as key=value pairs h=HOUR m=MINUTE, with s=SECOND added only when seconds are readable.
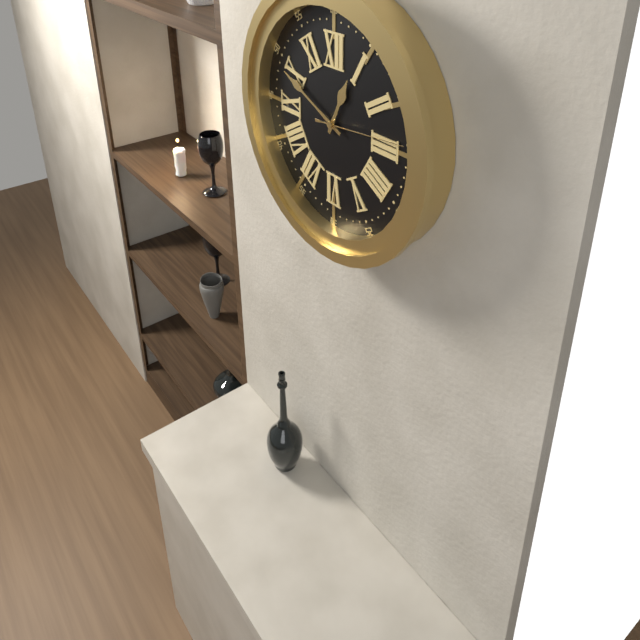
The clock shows h=12 m=49 s=14
